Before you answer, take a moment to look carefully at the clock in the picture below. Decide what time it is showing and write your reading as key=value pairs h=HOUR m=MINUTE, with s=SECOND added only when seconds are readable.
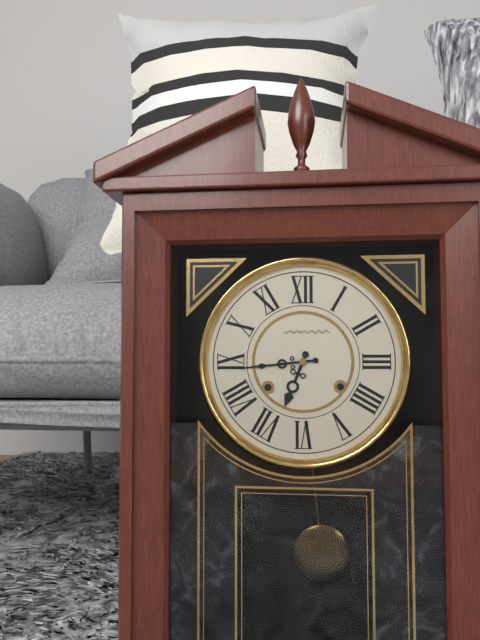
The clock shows h=6 m=44
